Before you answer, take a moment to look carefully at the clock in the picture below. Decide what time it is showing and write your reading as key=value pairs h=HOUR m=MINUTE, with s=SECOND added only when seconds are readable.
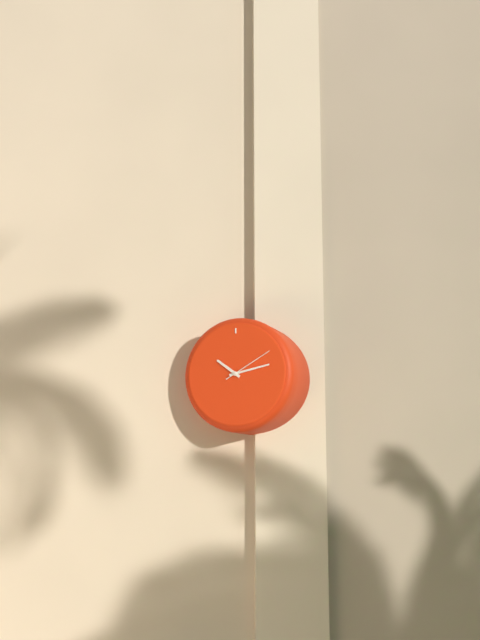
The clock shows h=10 m=13 s=10
